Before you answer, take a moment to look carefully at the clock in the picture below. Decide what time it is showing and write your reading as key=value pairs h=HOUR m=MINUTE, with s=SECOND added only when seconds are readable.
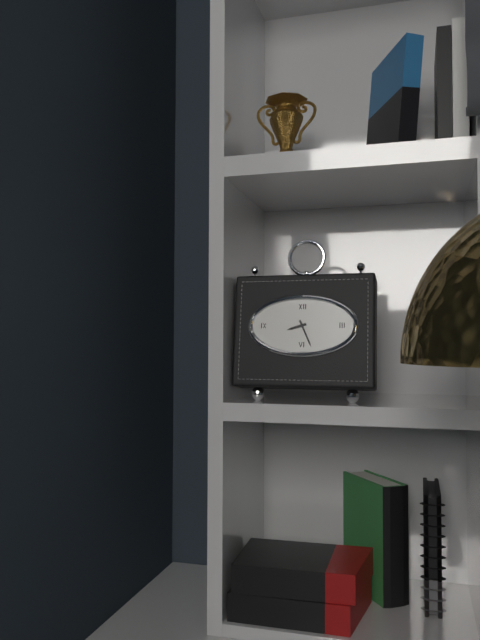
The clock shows h=8 m=26
